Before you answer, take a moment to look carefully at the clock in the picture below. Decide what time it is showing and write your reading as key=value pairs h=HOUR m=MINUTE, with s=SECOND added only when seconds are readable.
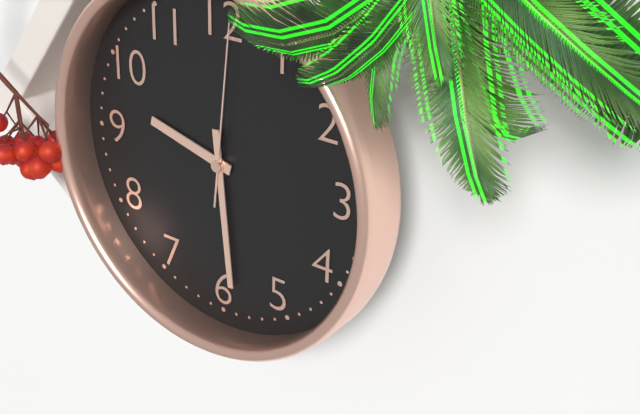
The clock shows h=9 m=29 s=1
